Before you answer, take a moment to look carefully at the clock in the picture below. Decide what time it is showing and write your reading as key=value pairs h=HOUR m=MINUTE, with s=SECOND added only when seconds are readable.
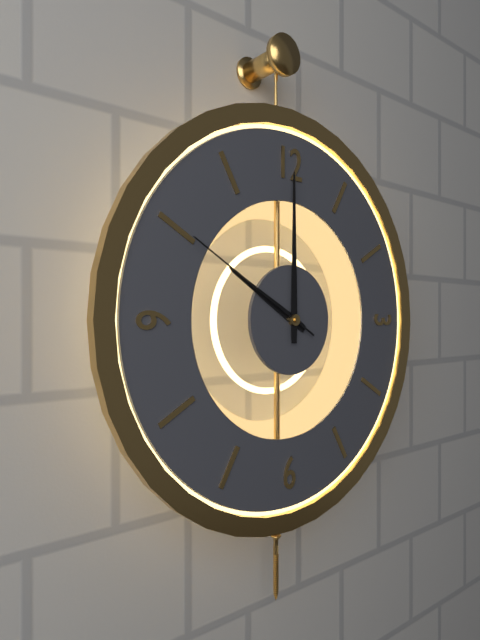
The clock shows h=10 m=0 s=50
